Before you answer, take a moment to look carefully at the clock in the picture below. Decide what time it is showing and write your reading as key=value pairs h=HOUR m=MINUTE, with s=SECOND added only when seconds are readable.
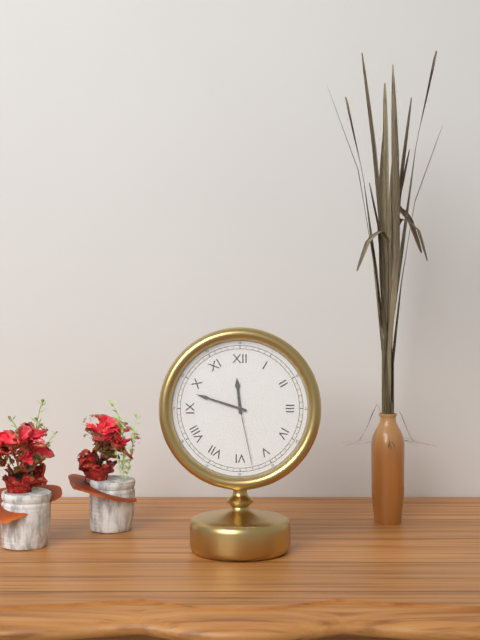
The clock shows h=11 m=48 s=28
